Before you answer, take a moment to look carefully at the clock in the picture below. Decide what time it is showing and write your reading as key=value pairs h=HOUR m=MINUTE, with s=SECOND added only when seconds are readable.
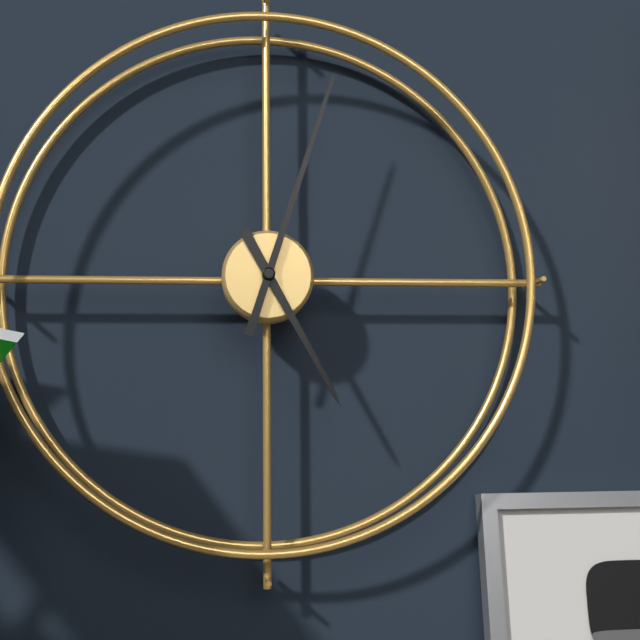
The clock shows h=5 m=3
